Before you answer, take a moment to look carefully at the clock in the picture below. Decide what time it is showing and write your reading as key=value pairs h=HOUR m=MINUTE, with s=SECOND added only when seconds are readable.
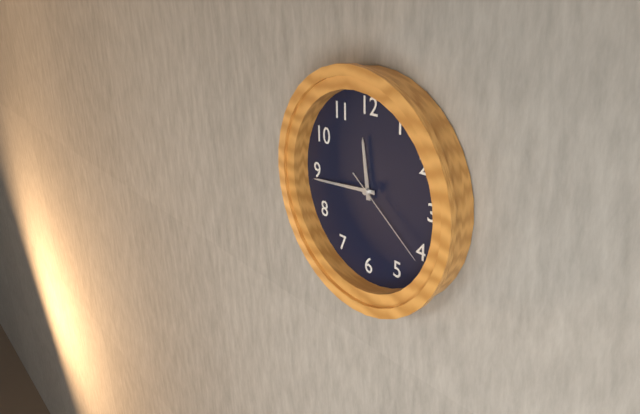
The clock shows h=11 m=44 s=21
